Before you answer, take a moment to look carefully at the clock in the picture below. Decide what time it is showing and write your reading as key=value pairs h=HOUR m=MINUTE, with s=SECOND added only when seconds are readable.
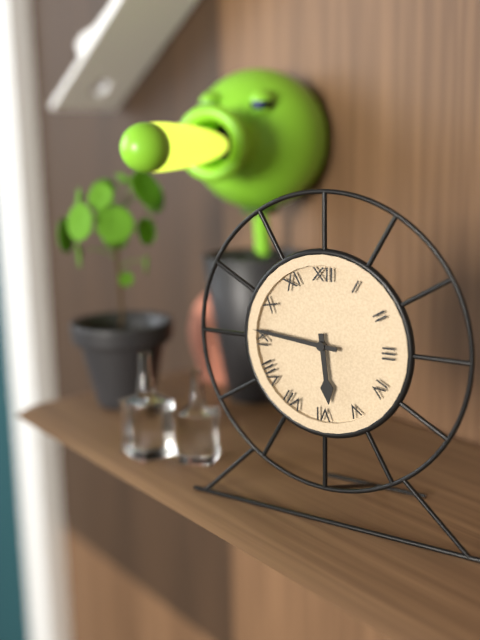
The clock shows h=5 m=46
